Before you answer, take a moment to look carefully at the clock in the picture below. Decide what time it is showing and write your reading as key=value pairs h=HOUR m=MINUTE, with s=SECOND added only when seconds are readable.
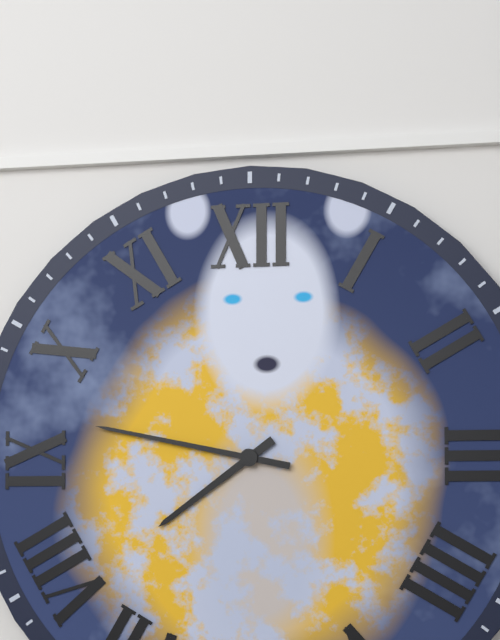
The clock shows h=7 m=47
